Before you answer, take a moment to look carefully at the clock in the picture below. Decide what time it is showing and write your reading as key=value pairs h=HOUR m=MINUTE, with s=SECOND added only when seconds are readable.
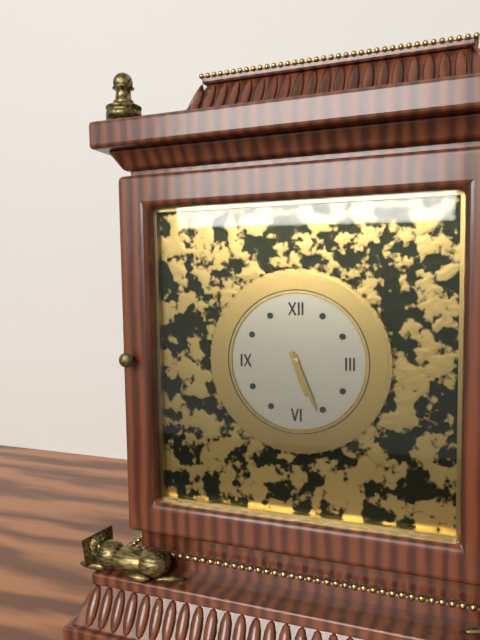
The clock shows h=5 m=26
